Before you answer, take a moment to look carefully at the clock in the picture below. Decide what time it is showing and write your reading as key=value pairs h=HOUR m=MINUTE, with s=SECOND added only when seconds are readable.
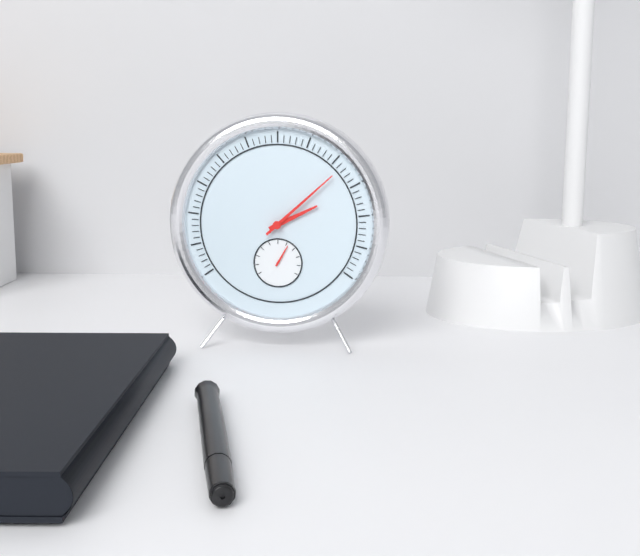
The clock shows h=2 m=8
